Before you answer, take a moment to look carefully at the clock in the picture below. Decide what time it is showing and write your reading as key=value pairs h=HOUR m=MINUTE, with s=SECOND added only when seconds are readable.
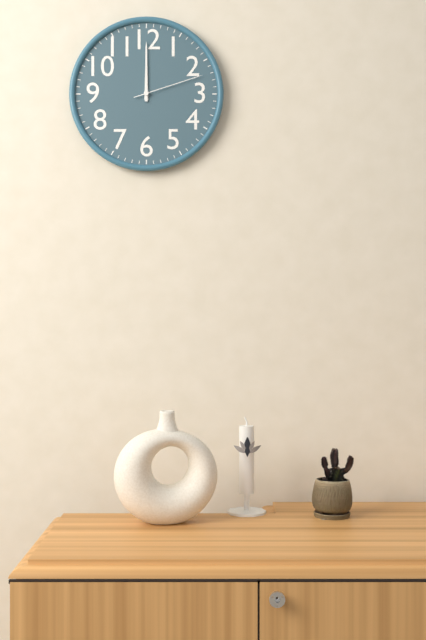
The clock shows h=12 m=0 s=12
